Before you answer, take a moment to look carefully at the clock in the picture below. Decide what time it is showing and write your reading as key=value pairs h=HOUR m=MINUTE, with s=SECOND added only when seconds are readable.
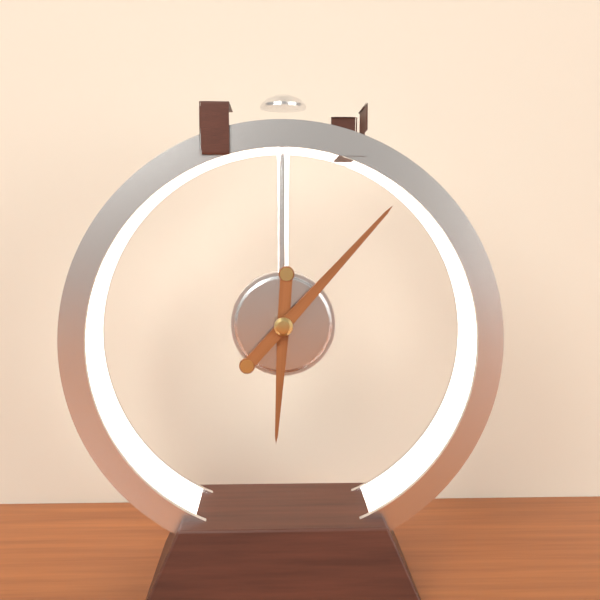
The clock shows h=6 m=7
